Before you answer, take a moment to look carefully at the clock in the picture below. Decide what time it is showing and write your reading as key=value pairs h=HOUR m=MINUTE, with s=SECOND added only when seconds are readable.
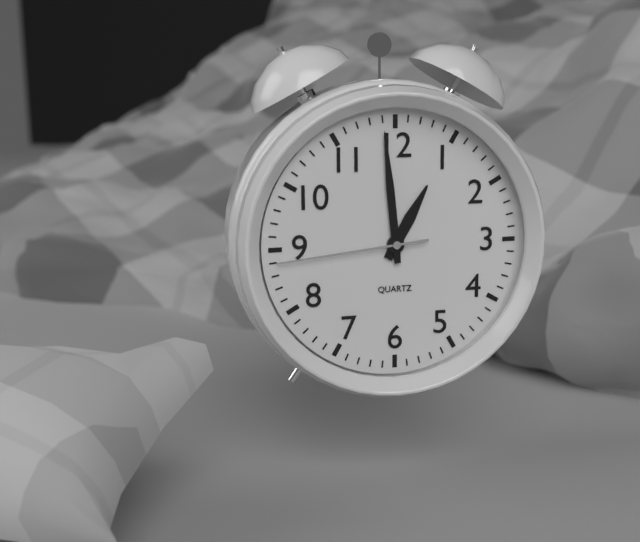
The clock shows h=12 m=59 s=44
